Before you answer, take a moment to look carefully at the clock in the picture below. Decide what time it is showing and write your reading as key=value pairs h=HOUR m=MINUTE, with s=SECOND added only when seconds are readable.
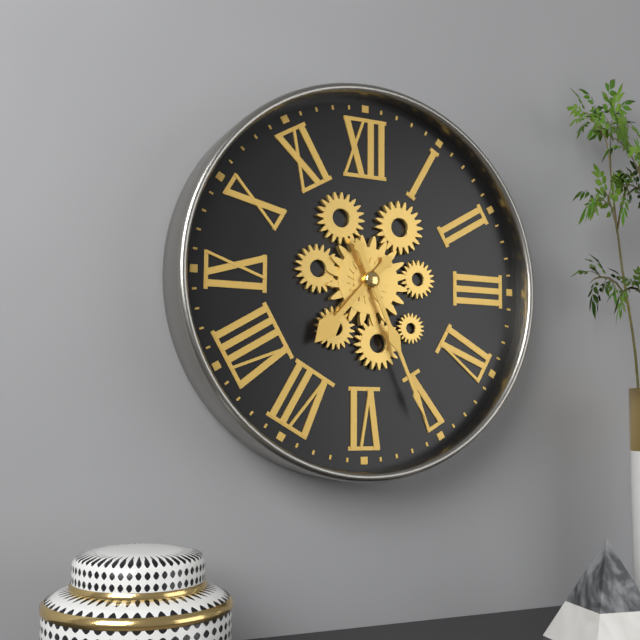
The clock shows h=7 m=26
